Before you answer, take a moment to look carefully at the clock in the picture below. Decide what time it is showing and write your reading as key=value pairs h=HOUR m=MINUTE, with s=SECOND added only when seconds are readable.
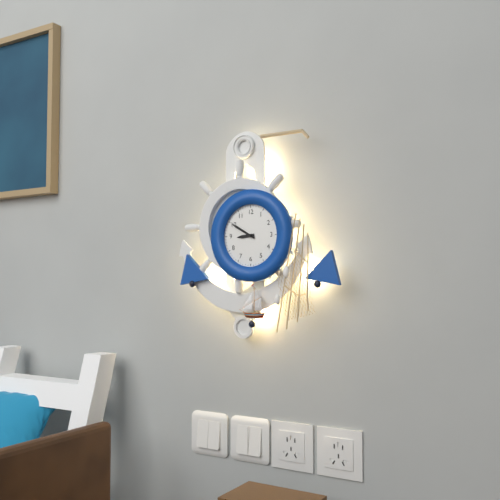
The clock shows h=8 m=50
